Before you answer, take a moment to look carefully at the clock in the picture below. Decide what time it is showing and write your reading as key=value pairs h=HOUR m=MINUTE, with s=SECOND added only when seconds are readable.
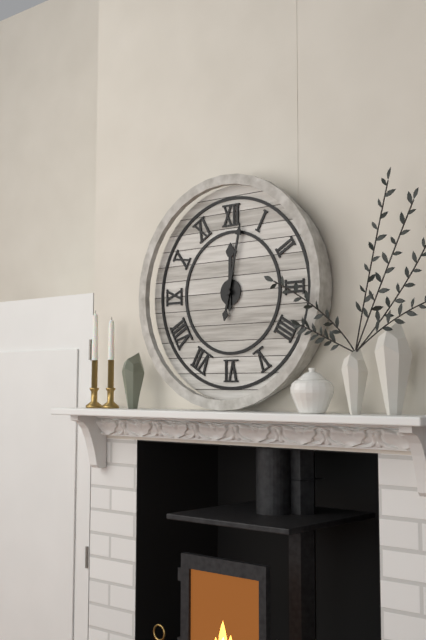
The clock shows h=12 m=2
